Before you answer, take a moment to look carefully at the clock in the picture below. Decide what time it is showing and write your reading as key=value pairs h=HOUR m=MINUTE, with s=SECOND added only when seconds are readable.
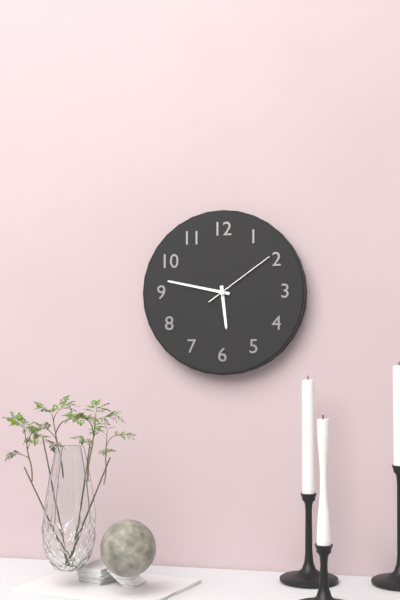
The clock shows h=5 m=47 s=9
